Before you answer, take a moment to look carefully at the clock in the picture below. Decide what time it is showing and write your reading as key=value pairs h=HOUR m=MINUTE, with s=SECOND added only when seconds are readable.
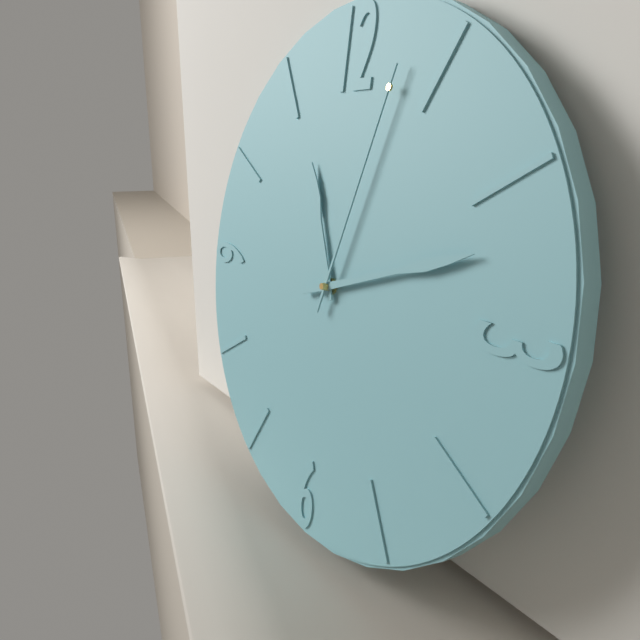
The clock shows h=11 m=12 s=3
